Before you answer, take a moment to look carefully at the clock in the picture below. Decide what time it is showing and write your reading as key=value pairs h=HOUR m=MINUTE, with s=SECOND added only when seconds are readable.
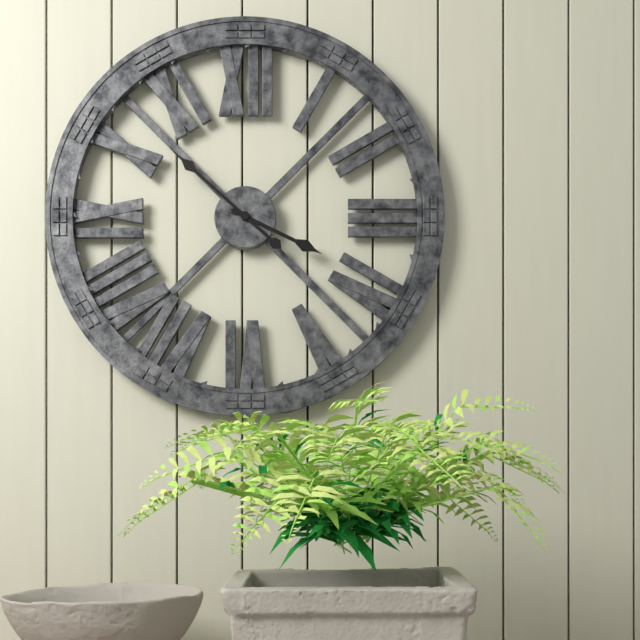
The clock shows h=3 m=52
